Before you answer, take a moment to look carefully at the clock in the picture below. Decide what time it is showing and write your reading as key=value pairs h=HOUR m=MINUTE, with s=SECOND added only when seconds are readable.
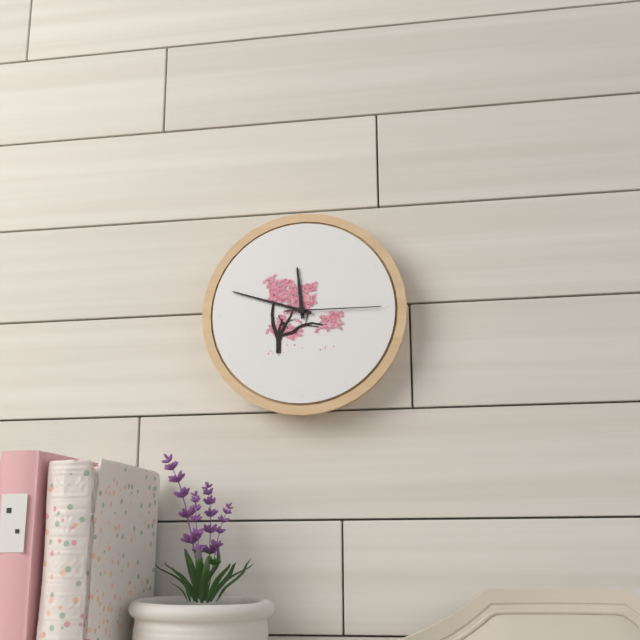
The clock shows h=11 m=48 s=15
